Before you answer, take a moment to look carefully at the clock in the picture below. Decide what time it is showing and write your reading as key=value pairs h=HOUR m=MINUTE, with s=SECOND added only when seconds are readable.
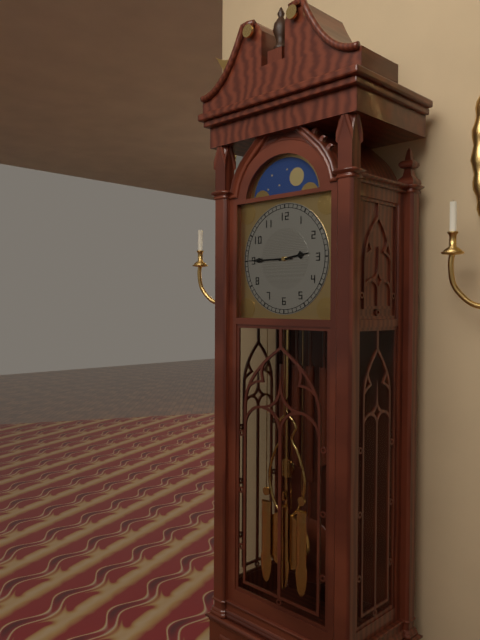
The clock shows h=2 m=45
